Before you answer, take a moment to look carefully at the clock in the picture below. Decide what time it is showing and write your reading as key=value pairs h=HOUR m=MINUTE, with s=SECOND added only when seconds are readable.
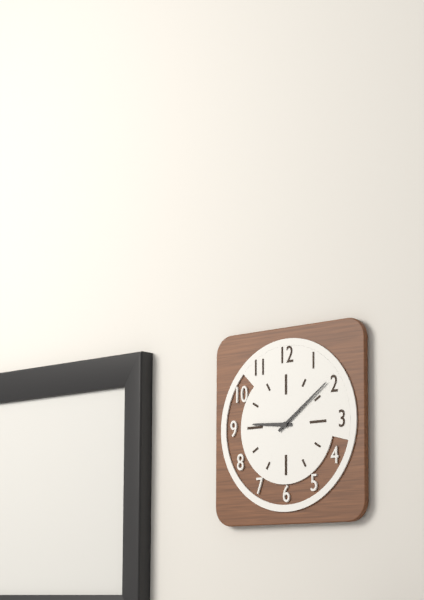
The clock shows h=9 m=9
